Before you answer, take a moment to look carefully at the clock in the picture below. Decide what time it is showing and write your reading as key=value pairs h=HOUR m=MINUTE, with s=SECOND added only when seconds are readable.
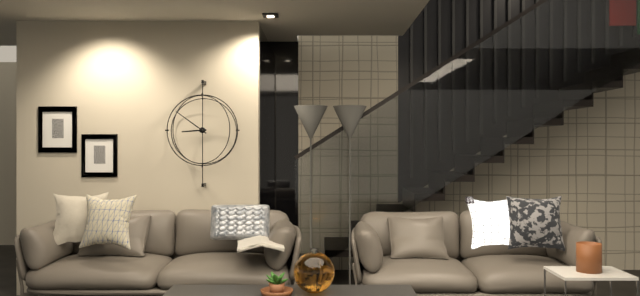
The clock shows h=8 m=51
